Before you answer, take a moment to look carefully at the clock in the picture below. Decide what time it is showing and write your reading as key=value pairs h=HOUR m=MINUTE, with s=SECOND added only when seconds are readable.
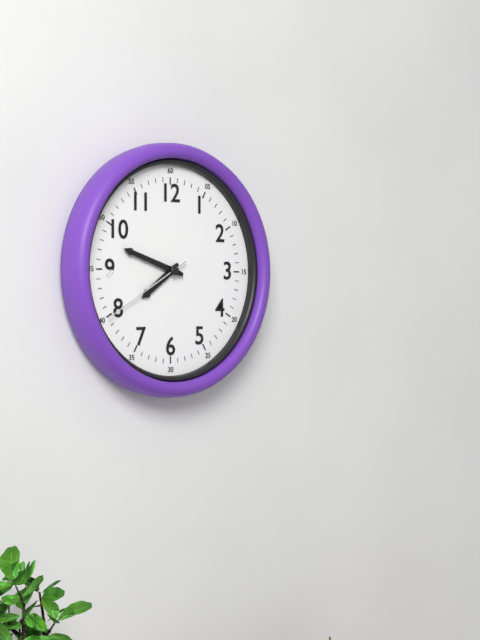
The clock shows h=7 m=48 s=40
